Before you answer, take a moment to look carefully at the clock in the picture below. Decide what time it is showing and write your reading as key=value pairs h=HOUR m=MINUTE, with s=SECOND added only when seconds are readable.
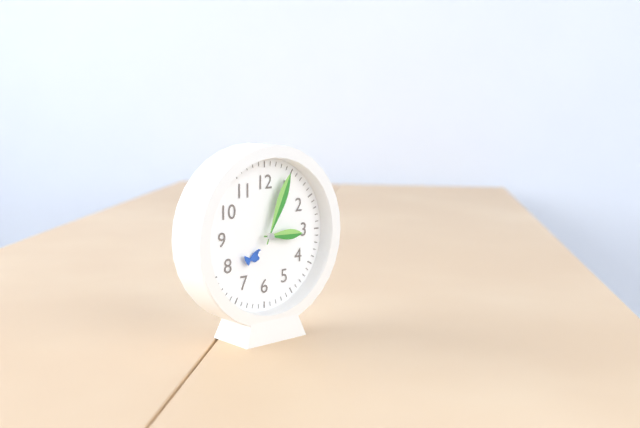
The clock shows h=3 m=4
